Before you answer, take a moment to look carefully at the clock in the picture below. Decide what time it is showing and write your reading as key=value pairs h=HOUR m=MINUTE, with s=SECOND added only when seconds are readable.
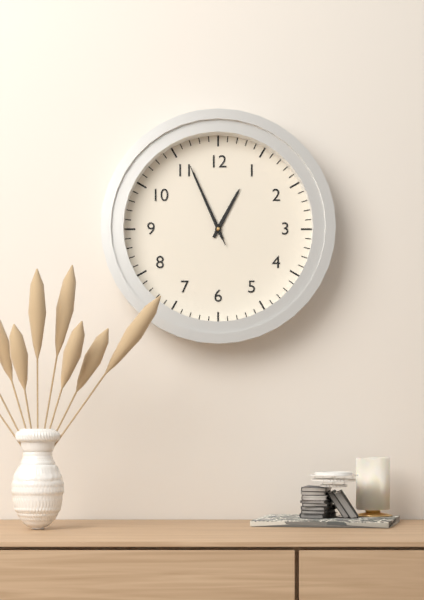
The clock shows h=12 m=56 s=56
